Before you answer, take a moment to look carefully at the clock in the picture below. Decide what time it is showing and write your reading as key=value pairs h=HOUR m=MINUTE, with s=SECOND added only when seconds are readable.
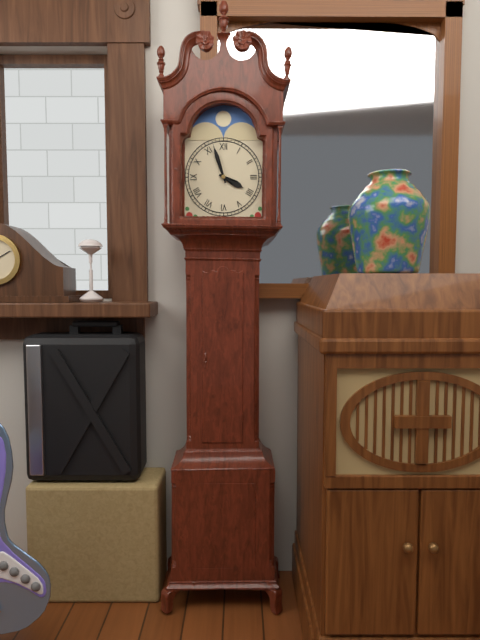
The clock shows h=3 m=57
